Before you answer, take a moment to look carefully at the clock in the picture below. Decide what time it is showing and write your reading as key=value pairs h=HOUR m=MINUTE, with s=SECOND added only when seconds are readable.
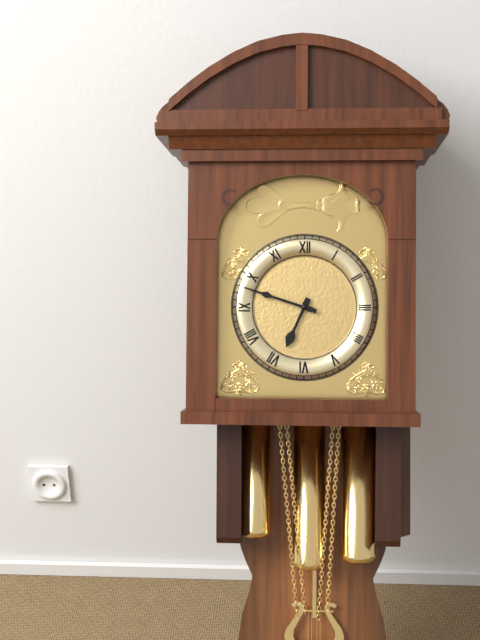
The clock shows h=6 m=48
